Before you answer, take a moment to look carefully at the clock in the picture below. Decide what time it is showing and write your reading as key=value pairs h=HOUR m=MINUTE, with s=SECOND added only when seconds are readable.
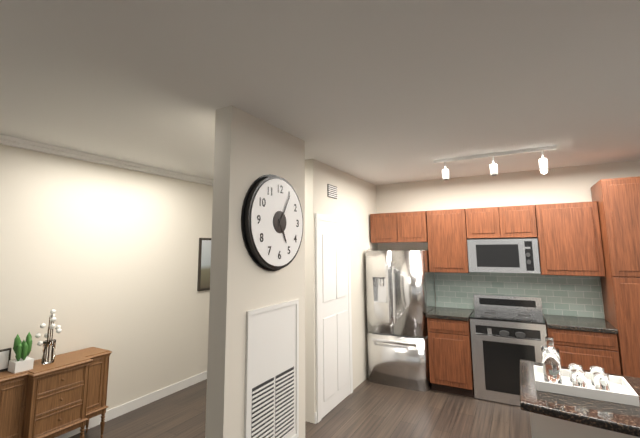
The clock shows h=5 m=5
